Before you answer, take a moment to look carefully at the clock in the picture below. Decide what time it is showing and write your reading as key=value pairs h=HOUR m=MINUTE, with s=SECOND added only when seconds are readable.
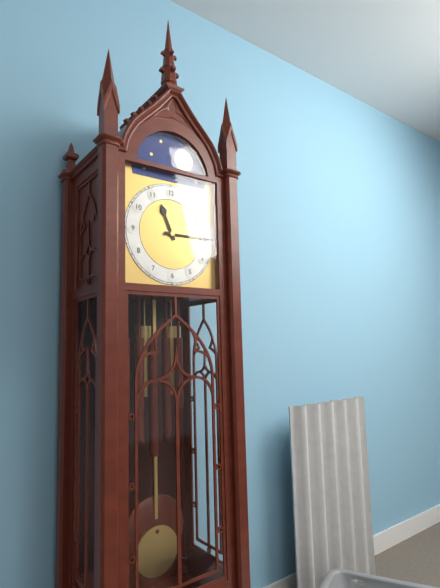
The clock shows h=11 m=15
